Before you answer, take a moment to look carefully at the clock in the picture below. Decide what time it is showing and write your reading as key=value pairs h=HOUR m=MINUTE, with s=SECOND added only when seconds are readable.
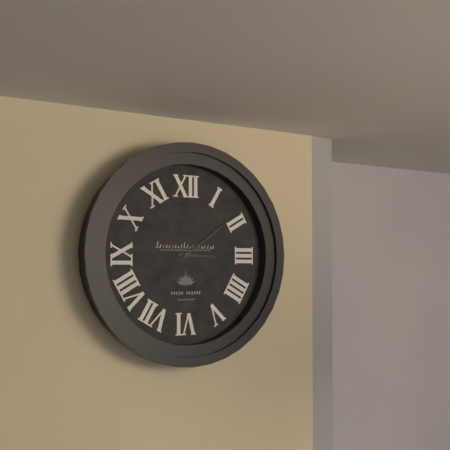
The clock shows h=3 m=9
